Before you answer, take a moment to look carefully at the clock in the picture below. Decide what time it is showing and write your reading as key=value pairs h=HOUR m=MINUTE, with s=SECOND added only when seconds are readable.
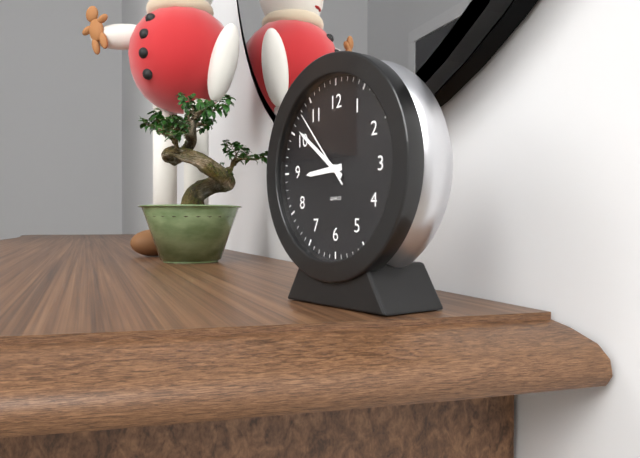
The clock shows h=8 m=51 s=53
